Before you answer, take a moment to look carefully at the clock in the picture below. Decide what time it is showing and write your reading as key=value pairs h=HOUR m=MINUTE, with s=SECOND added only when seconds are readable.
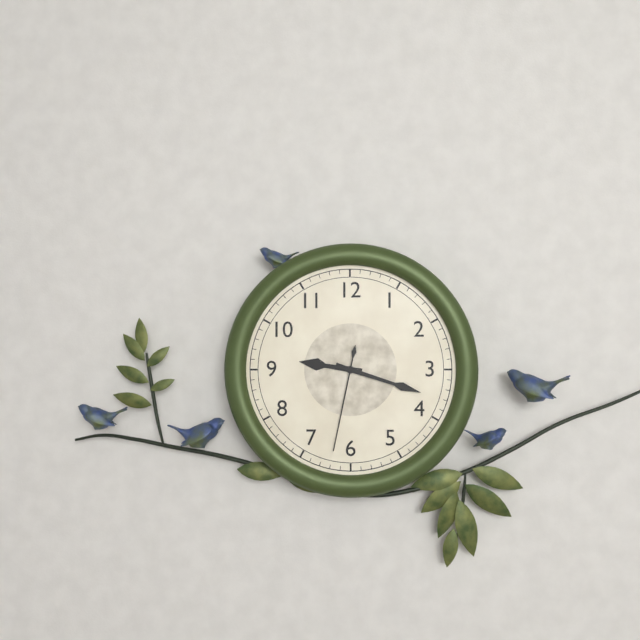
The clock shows h=9 m=18 s=32
